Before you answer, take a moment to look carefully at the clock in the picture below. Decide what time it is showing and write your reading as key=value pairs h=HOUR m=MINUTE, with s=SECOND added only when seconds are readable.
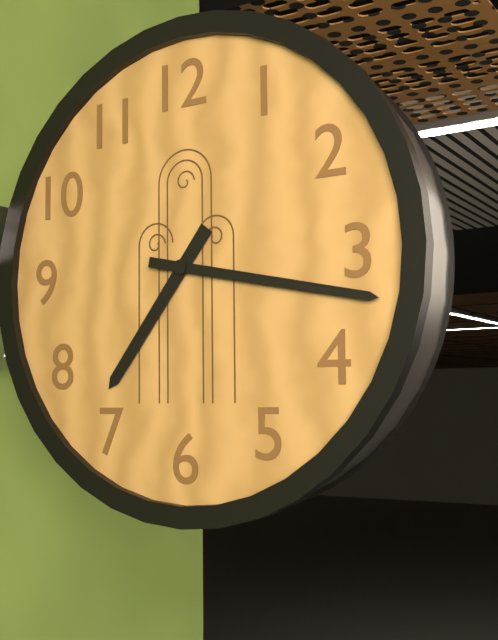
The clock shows h=7 m=17
